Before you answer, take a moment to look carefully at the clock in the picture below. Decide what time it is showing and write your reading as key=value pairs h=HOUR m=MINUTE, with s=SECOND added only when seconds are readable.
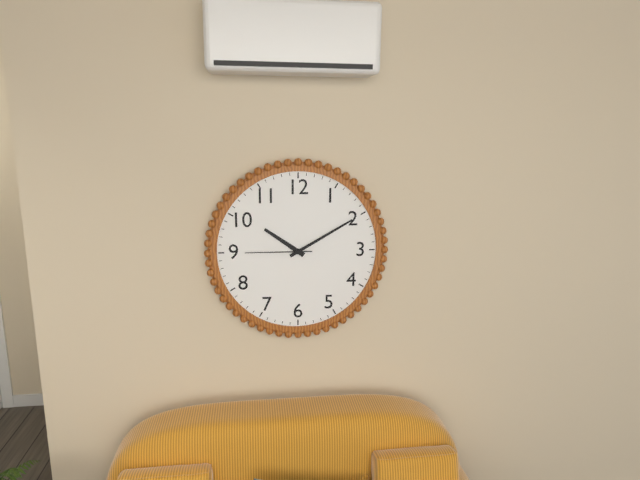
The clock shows h=10 m=10 s=45
